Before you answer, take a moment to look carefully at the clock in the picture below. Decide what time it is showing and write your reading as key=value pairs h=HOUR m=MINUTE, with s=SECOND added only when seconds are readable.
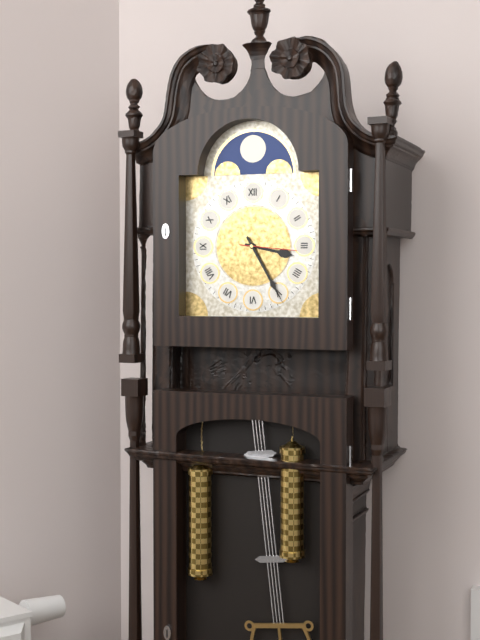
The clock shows h=3 m=25 s=16
